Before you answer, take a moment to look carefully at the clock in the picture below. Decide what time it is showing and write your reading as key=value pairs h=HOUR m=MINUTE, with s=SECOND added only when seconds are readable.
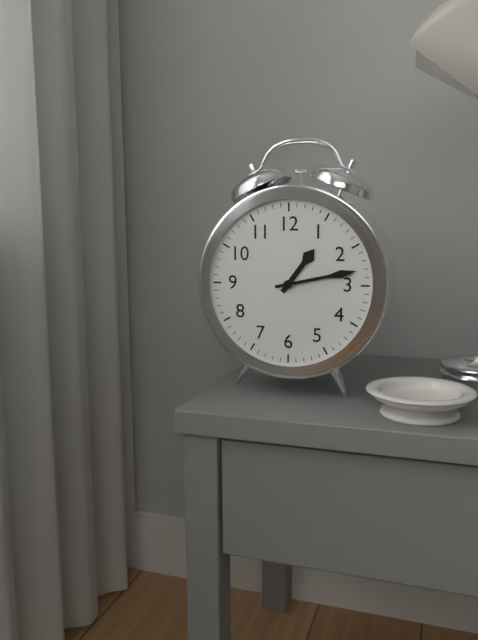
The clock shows h=1 m=13
